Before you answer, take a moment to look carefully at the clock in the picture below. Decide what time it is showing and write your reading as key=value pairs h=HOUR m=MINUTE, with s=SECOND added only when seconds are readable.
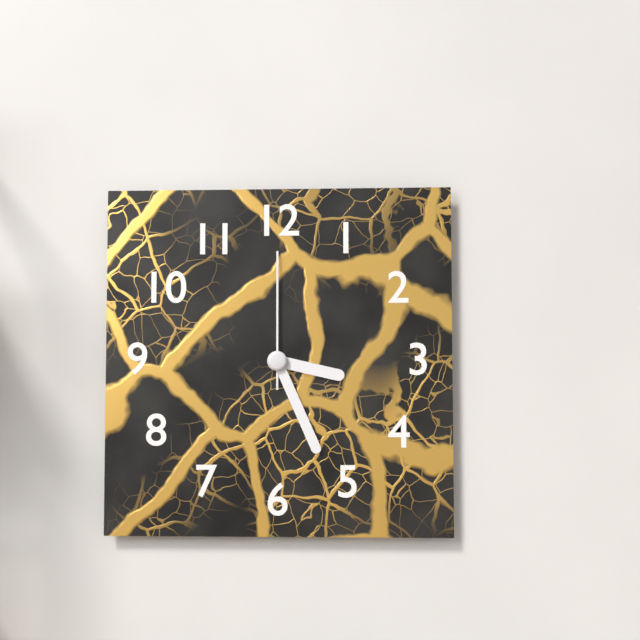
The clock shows h=3 m=26 s=0
